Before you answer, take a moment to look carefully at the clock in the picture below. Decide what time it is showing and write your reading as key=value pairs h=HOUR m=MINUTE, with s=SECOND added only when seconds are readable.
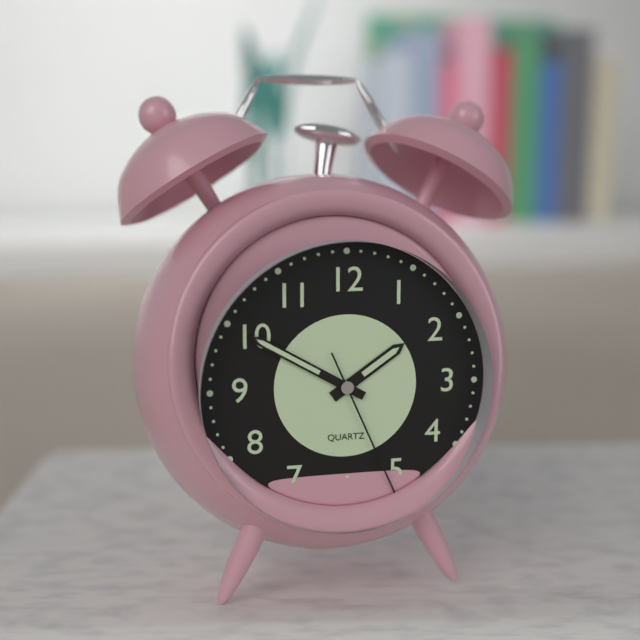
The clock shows h=1 m=50 s=26
